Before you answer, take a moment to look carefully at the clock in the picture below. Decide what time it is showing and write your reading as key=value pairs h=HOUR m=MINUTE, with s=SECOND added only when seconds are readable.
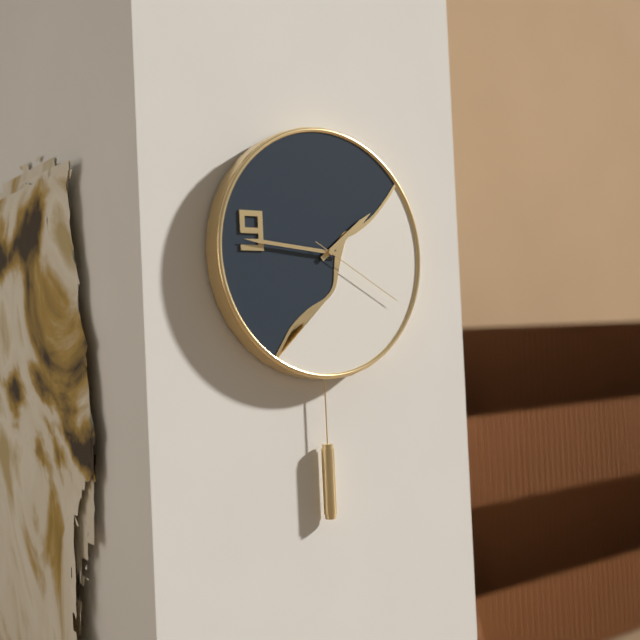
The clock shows h=1 m=46 s=20
